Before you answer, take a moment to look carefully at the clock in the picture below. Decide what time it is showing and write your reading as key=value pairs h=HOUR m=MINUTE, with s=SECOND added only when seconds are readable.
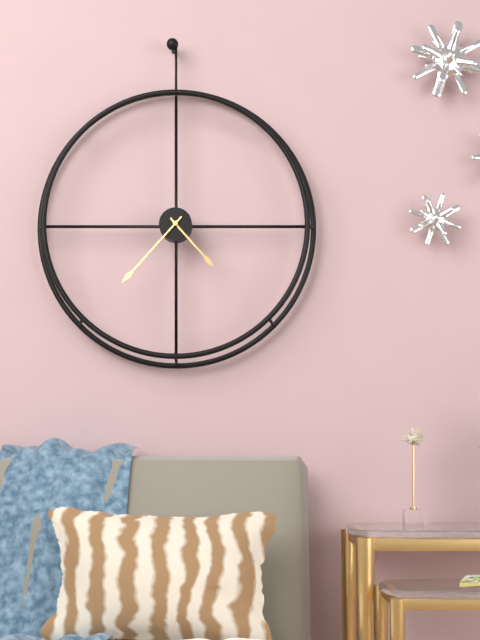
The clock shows h=4 m=37
